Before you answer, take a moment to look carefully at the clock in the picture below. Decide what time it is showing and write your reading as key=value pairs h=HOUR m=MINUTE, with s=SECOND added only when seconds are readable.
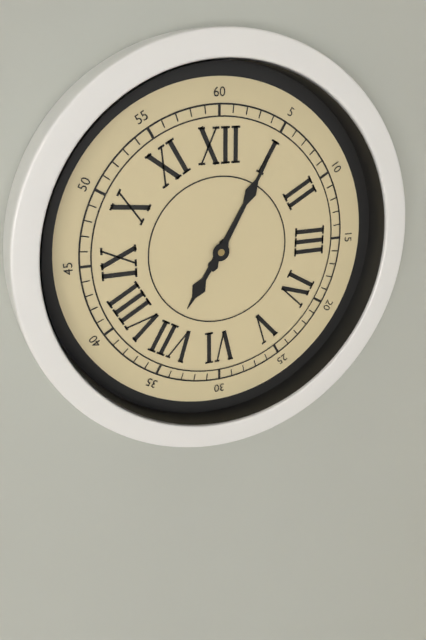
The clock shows h=7 m=5
